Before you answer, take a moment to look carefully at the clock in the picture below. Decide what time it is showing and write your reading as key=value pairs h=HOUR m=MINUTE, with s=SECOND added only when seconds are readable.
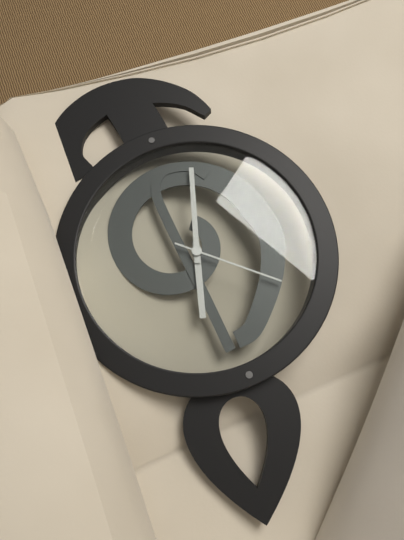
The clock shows h=12 m=33 s=52
